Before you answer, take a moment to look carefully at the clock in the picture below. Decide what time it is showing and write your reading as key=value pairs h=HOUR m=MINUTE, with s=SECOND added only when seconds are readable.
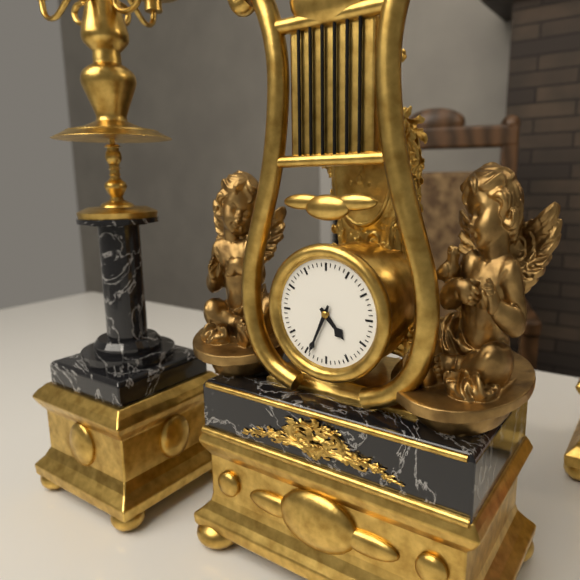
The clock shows h=4 m=34
